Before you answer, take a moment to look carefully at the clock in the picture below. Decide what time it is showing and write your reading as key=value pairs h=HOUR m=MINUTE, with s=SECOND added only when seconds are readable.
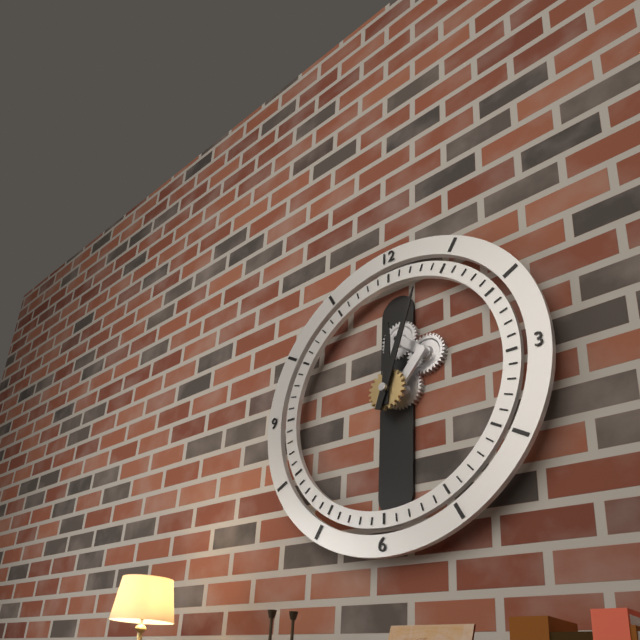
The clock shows h=12 m=3
